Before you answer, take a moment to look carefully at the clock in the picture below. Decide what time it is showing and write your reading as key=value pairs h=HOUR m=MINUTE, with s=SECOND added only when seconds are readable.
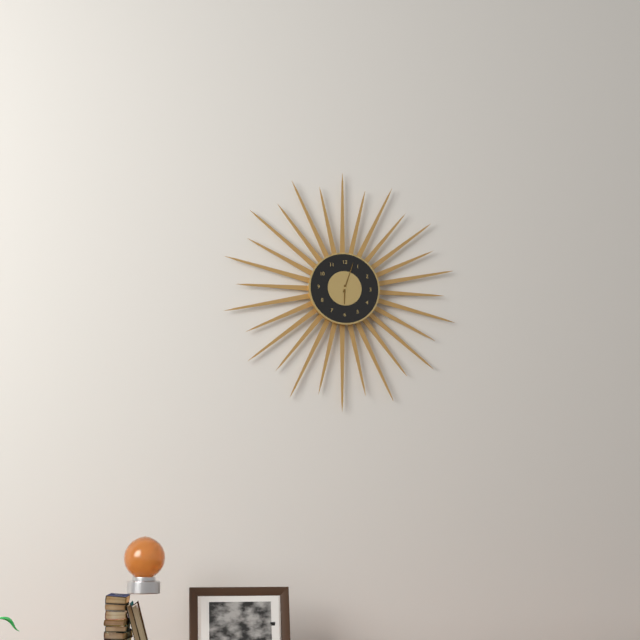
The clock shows h=6 m=3
